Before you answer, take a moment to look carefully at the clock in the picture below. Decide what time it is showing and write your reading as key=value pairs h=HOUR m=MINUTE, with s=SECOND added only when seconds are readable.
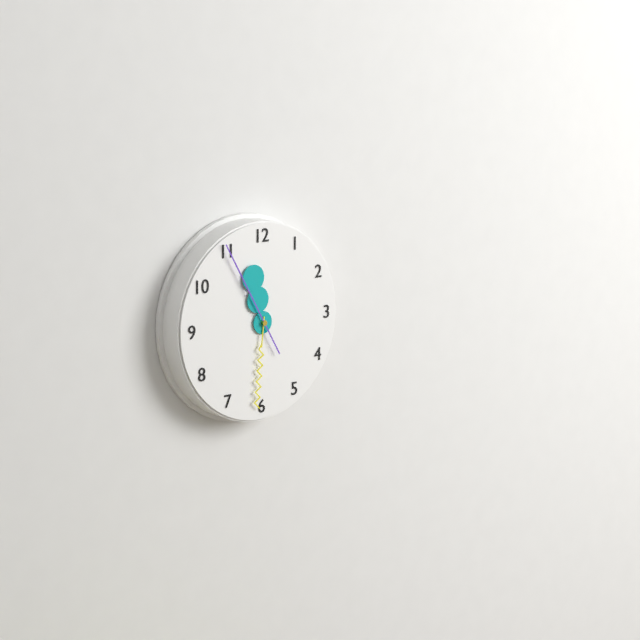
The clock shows h=11 m=31 s=55
